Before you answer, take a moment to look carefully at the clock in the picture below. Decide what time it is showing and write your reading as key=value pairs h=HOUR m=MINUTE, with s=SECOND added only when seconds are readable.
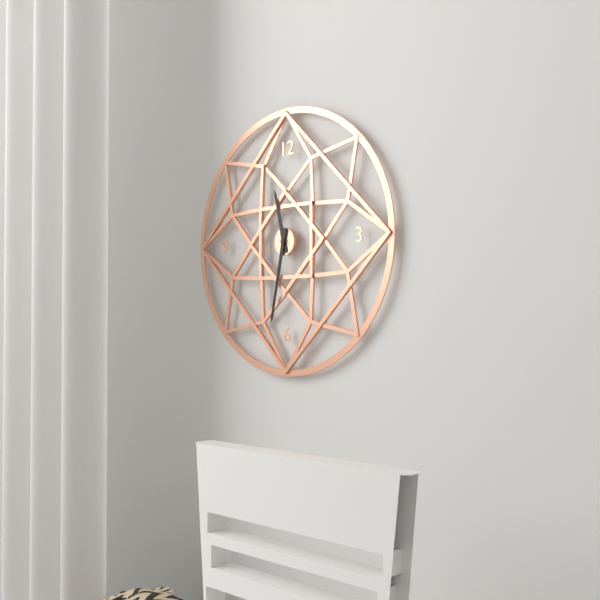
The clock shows h=11 m=32
